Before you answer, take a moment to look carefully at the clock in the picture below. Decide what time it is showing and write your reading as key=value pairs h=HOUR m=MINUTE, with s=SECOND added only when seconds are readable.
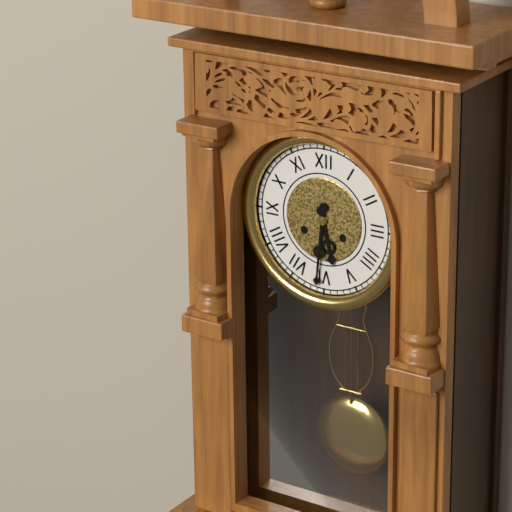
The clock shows h=5 m=31
